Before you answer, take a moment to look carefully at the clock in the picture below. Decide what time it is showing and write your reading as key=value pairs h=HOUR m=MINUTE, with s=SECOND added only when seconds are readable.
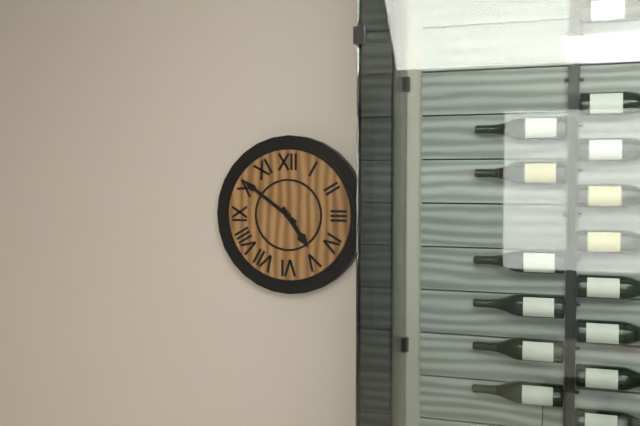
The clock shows h=4 m=51
